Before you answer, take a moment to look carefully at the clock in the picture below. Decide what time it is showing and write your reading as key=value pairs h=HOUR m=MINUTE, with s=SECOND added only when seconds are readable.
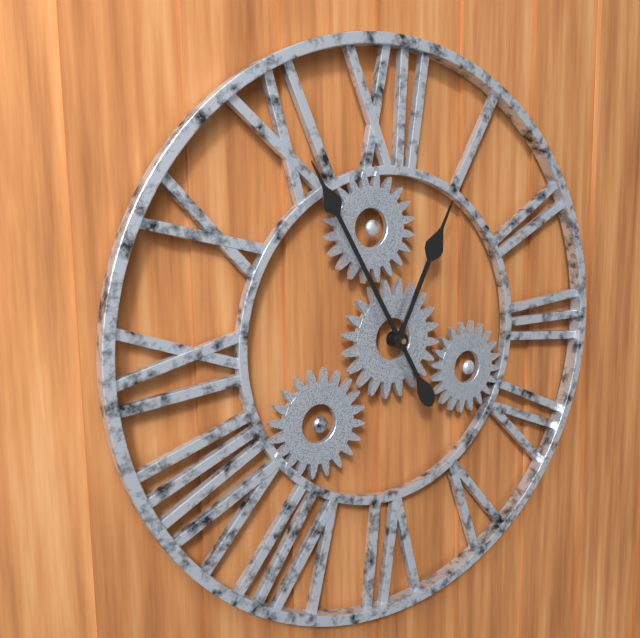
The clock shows h=12 m=55
